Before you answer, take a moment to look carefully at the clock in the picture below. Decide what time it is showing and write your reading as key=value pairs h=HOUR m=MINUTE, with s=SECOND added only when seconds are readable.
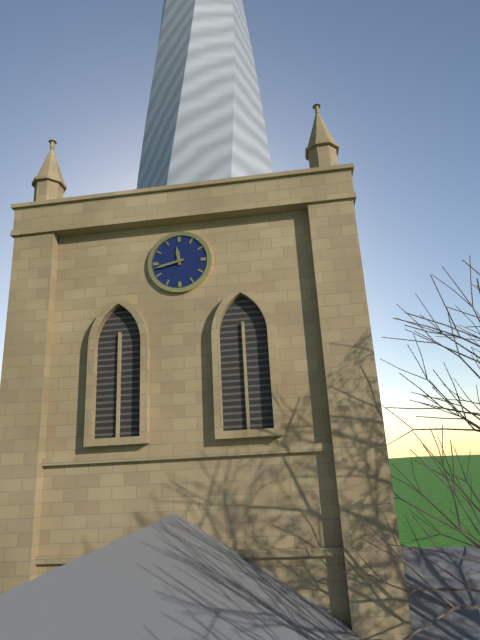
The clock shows h=11 m=43
